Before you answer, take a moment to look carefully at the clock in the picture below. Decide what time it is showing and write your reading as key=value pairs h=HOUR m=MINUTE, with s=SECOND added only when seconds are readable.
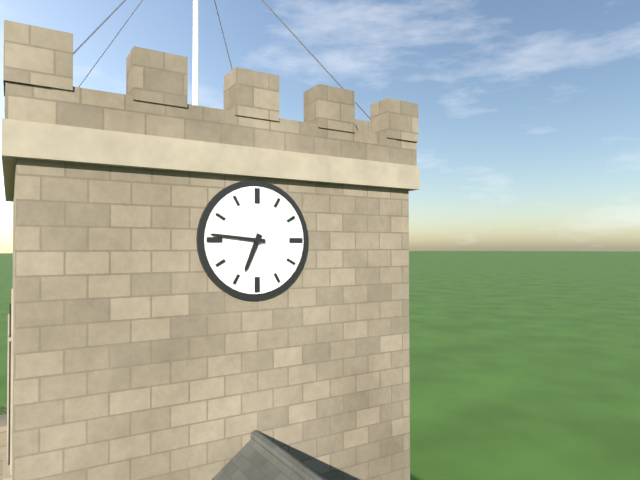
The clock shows h=6 m=46
